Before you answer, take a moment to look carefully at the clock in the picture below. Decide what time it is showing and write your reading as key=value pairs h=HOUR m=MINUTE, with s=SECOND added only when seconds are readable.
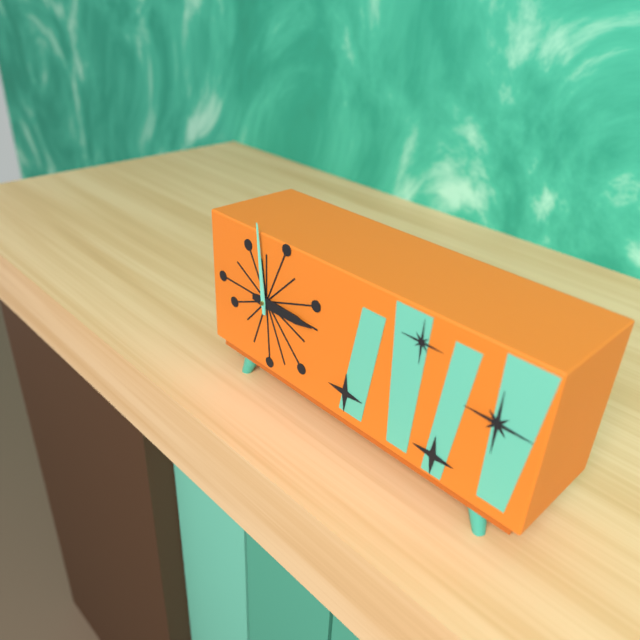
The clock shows h=2 m=59
